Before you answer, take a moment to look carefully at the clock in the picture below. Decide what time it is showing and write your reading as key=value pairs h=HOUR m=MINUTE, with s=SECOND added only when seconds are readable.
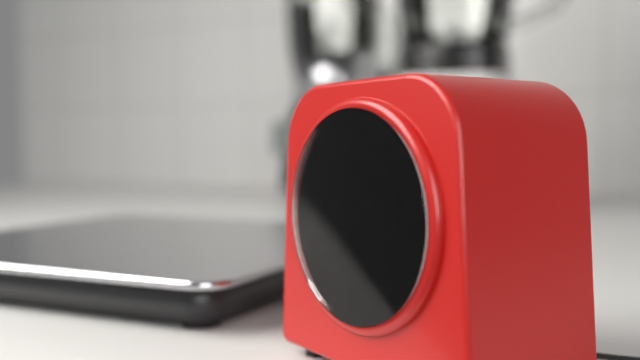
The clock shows h=3 m=59
